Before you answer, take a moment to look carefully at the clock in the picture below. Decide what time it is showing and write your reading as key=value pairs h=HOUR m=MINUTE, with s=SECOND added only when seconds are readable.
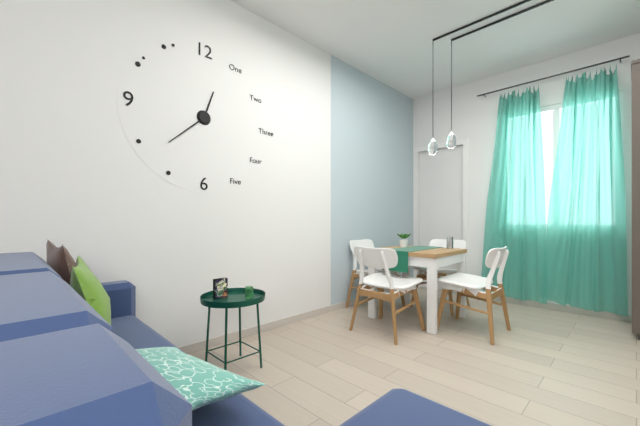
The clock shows h=12 m=38
